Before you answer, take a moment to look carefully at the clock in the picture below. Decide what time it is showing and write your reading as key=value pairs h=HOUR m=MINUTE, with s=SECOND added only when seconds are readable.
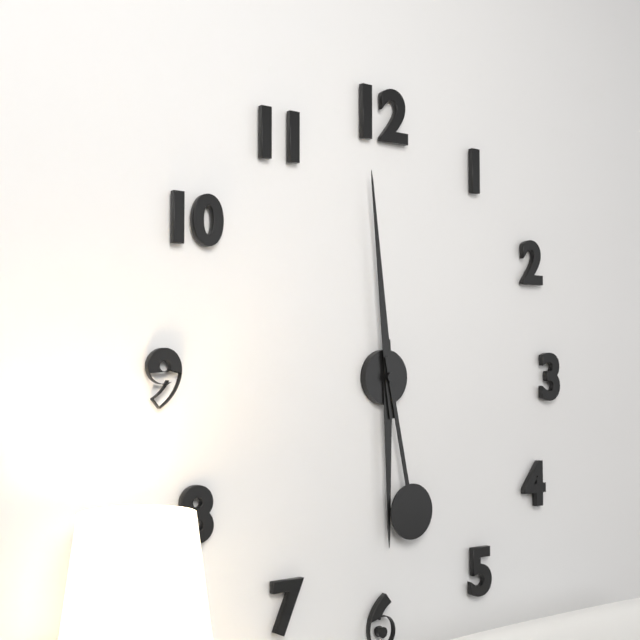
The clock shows h=5 m=59 s=28
